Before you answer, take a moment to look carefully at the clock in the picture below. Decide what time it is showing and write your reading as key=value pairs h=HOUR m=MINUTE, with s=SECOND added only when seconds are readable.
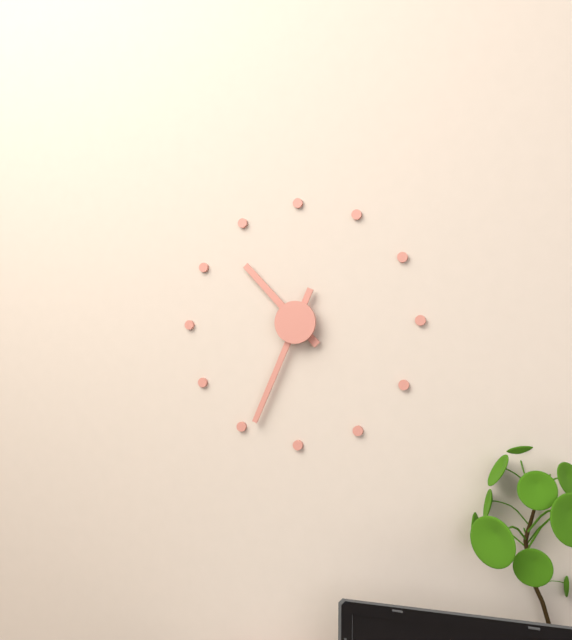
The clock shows h=10 m=34
